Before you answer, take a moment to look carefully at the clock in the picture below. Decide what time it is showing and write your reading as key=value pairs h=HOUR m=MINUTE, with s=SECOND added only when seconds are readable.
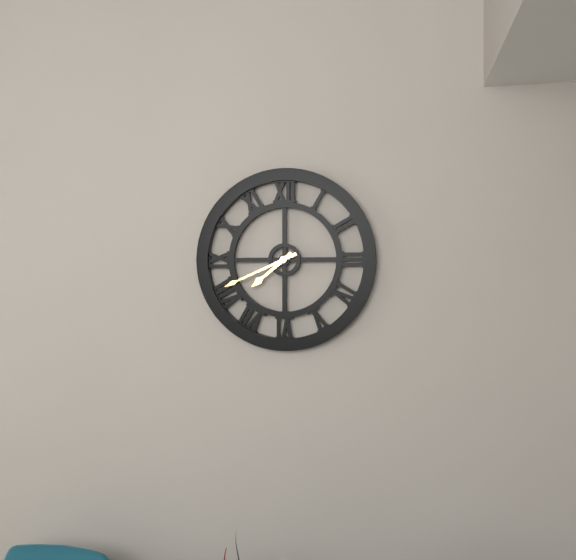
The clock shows h=7 m=41
